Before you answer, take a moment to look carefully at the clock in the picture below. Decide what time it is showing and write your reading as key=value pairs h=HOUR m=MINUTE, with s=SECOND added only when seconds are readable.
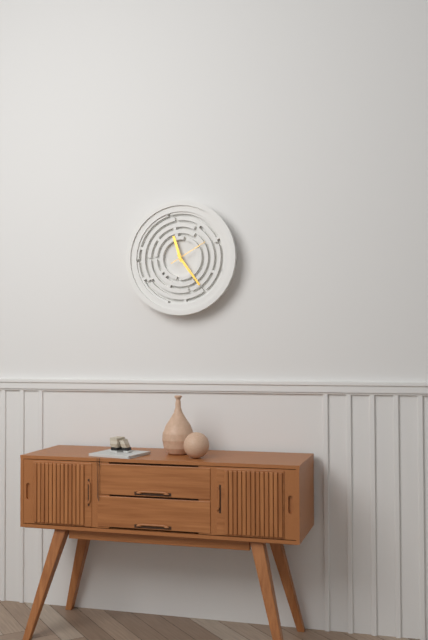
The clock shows h=11 m=24
